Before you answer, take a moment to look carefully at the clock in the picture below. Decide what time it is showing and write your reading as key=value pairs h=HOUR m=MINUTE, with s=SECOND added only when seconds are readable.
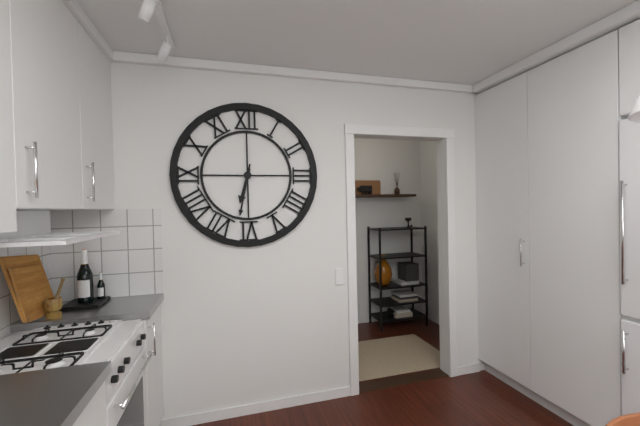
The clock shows h=6 m=32
